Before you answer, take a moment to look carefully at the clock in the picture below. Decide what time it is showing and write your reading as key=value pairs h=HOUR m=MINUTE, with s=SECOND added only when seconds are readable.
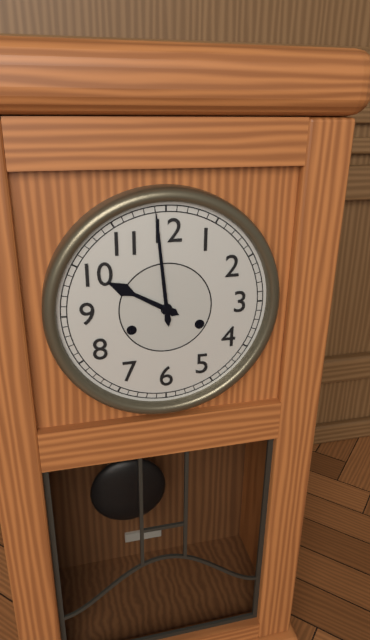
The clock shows h=9 m=59
